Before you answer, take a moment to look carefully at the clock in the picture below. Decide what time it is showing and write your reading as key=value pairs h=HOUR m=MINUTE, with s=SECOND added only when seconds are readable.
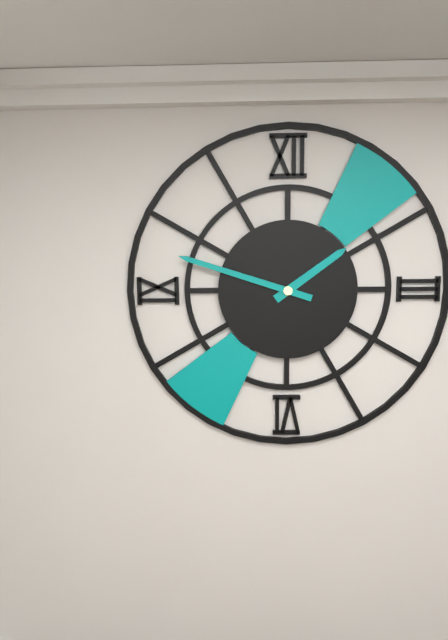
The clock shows h=1 m=48
